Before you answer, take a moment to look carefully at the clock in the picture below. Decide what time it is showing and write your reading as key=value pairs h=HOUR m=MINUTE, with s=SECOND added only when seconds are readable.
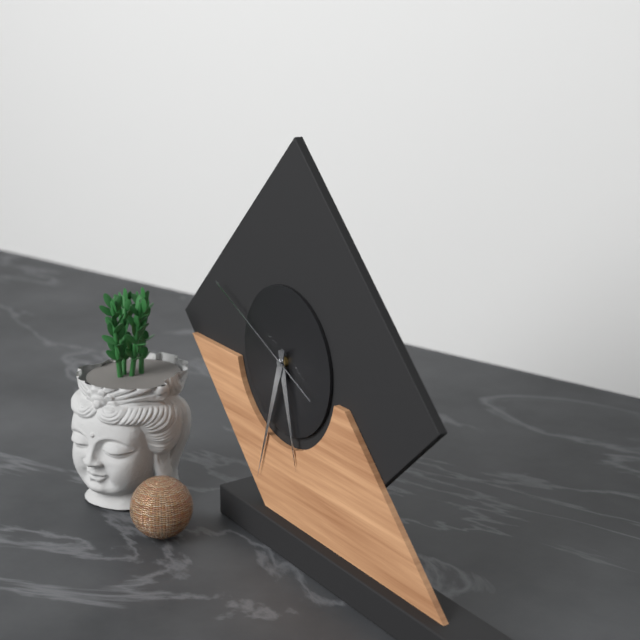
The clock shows h=5 m=33 s=49
